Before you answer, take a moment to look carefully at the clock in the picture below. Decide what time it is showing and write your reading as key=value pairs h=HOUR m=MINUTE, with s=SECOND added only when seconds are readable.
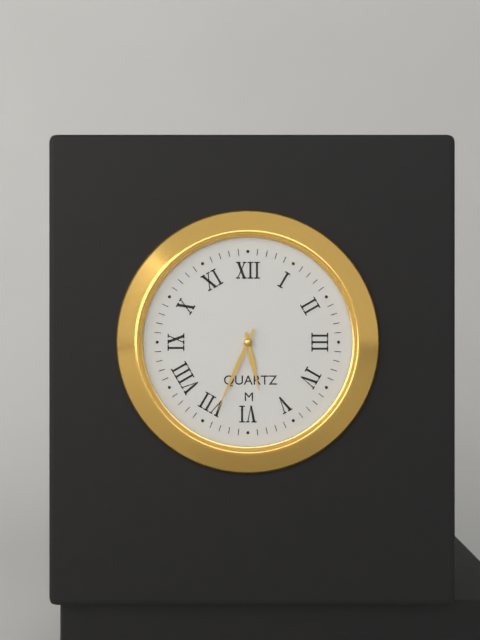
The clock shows h=5 m=34
